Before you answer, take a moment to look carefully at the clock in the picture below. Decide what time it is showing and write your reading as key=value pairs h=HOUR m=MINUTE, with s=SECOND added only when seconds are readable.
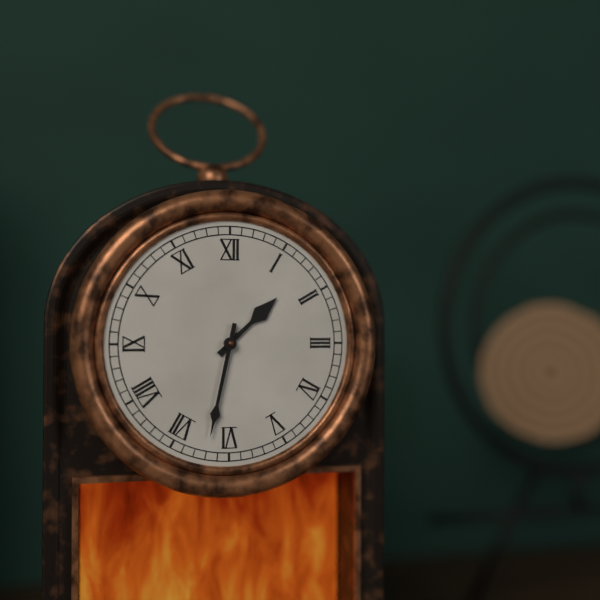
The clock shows h=1 m=32
